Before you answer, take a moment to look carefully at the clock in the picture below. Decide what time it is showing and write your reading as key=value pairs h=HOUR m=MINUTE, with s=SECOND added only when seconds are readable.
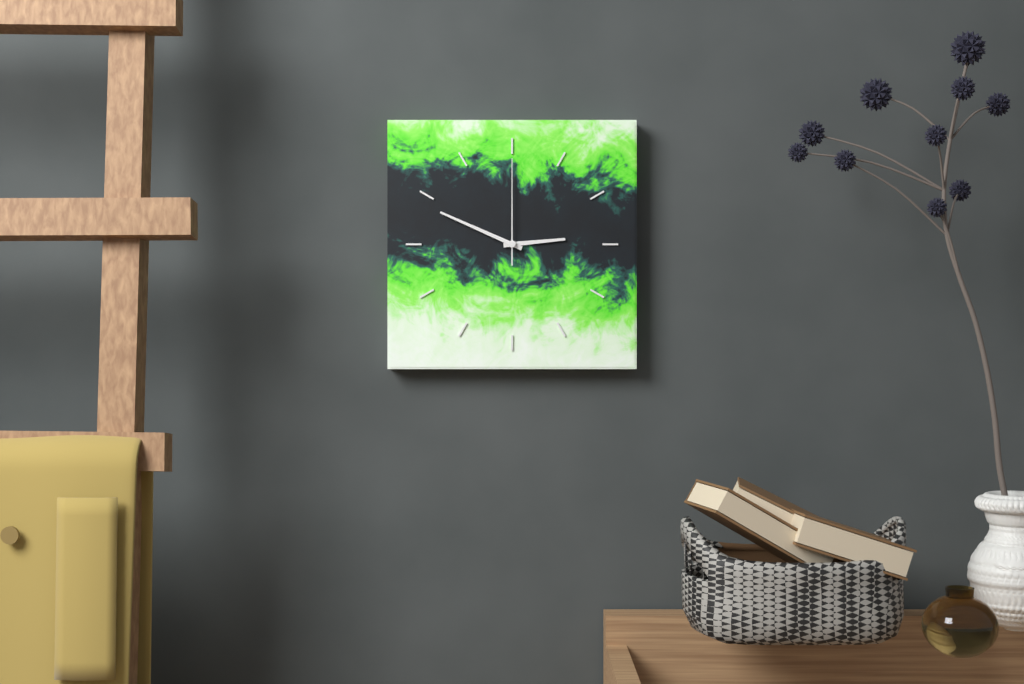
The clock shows h=2 m=49 s=0
